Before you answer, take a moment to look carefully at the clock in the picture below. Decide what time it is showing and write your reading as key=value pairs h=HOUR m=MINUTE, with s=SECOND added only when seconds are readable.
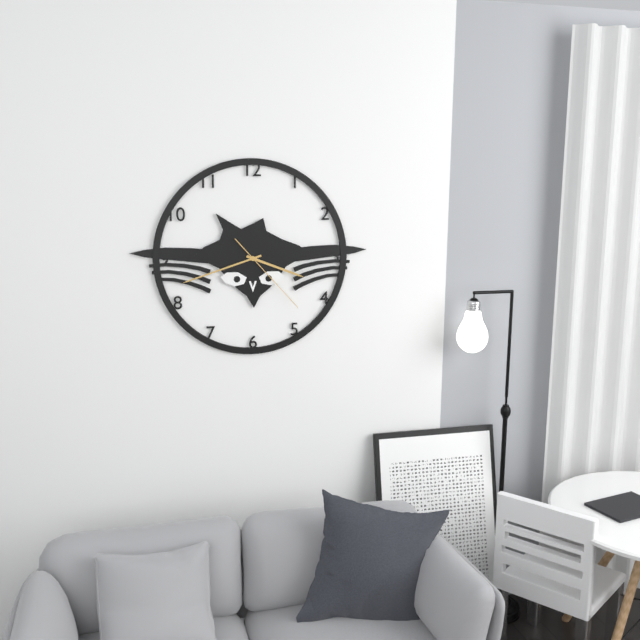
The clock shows h=3 m=42 s=23
